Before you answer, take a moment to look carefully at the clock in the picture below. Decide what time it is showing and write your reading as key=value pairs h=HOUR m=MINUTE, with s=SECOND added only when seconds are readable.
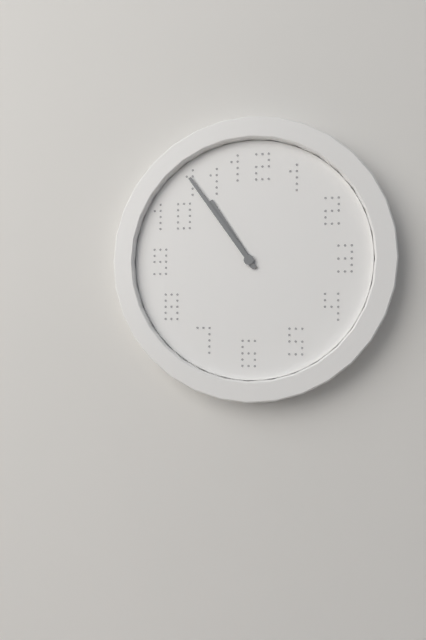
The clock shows h=10 m=54
